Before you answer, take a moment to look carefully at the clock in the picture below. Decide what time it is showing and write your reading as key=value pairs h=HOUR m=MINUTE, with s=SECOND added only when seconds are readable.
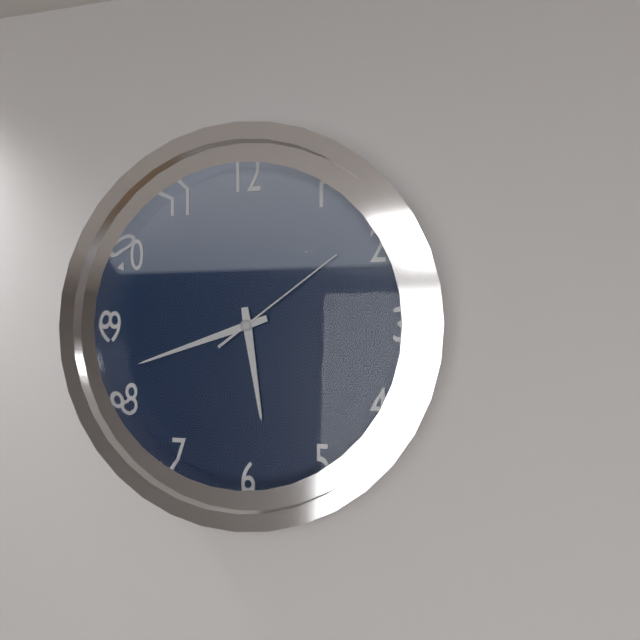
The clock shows h=5 m=42 s=9
